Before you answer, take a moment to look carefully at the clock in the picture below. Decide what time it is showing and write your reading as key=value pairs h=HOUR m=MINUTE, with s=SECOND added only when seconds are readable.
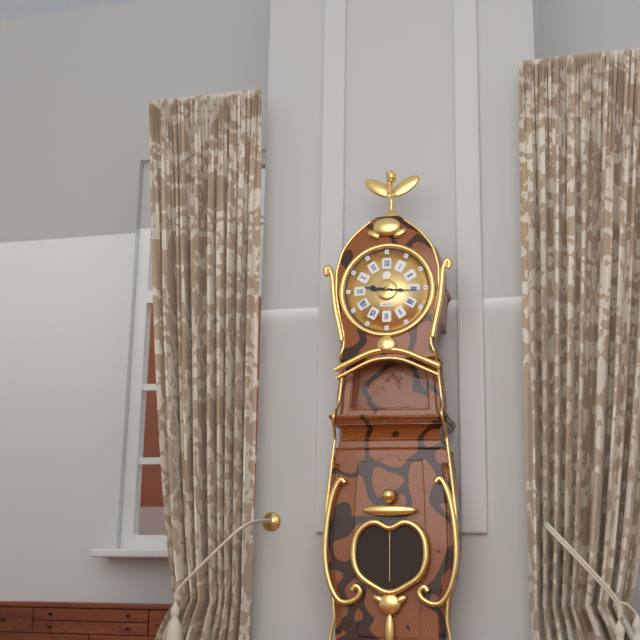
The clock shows h=9 m=16
